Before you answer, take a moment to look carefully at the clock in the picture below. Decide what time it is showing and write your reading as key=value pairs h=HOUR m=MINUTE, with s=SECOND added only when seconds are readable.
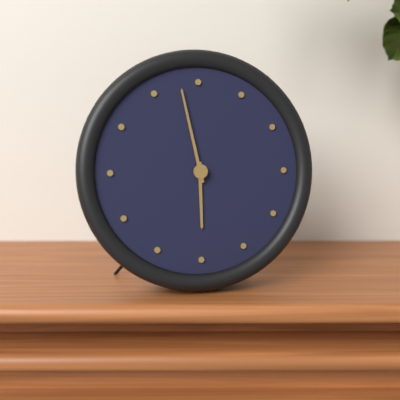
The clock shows h=5 m=58
